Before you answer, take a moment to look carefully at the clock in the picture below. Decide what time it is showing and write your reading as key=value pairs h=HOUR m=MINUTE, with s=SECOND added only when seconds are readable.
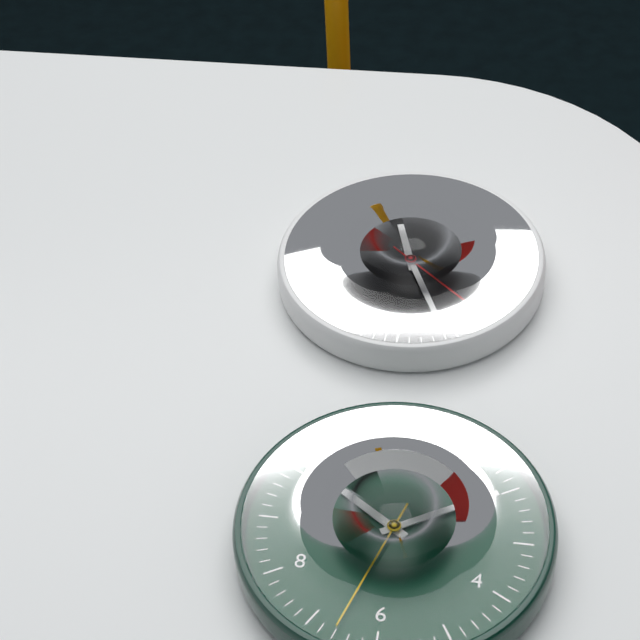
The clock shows h=11 m=26 s=22
